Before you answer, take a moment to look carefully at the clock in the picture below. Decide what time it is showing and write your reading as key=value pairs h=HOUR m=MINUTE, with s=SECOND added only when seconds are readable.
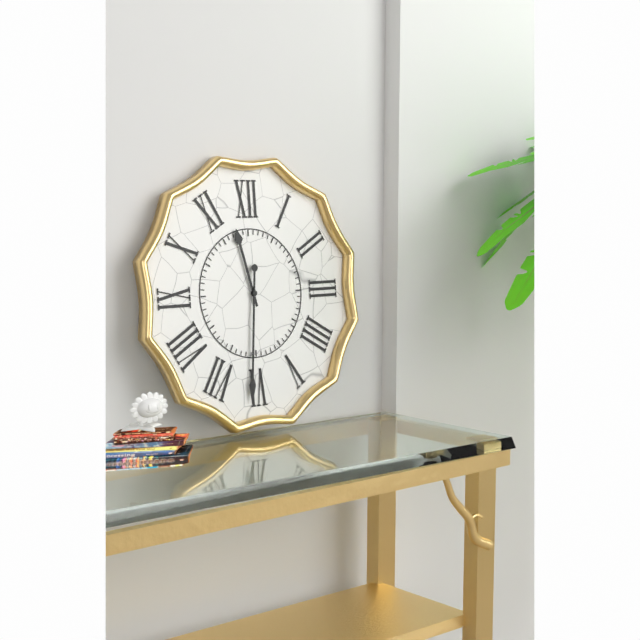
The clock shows h=11 m=31
